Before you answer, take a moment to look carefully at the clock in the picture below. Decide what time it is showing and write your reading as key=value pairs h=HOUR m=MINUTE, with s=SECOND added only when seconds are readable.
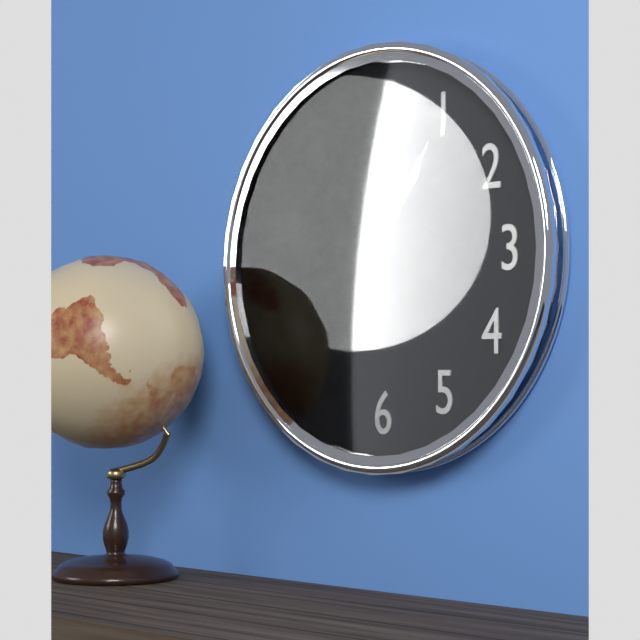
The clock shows h=6 m=5
